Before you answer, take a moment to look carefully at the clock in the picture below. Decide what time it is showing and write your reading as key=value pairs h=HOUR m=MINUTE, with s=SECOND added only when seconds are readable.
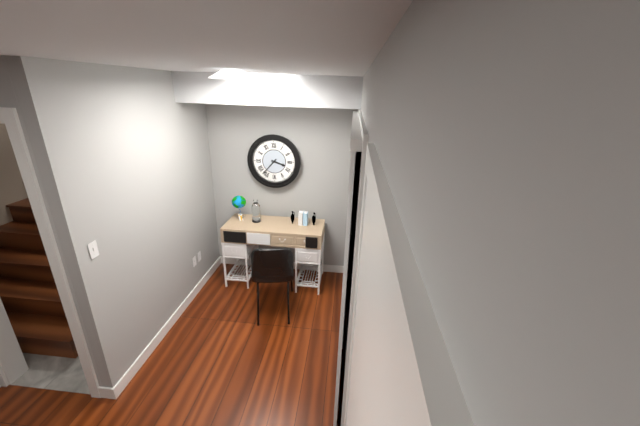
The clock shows h=3 m=37
